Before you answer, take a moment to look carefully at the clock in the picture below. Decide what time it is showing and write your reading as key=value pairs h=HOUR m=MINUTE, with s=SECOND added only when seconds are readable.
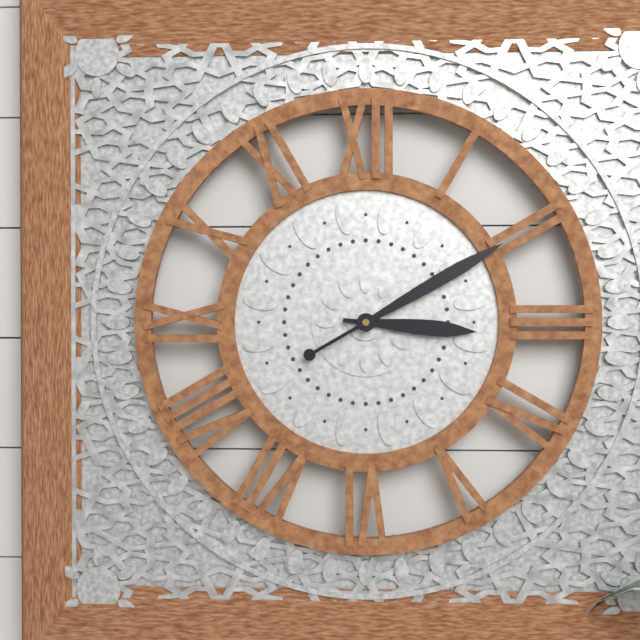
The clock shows h=3 m=10
